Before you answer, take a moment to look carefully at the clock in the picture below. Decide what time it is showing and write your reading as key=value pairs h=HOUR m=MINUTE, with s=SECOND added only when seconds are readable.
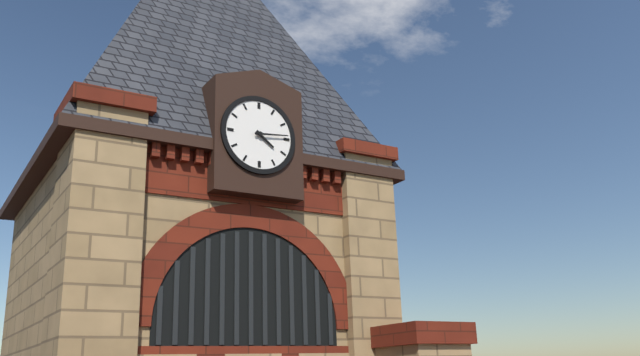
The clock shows h=4 m=14
